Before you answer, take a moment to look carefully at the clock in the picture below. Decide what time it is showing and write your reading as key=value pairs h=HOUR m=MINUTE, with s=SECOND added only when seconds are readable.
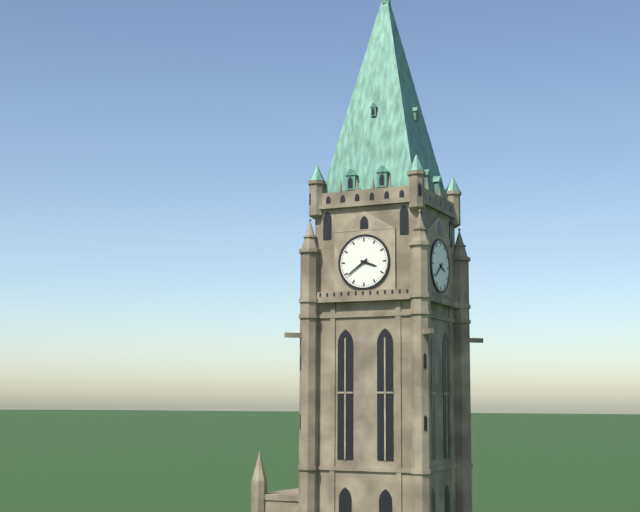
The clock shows h=3 m=39
